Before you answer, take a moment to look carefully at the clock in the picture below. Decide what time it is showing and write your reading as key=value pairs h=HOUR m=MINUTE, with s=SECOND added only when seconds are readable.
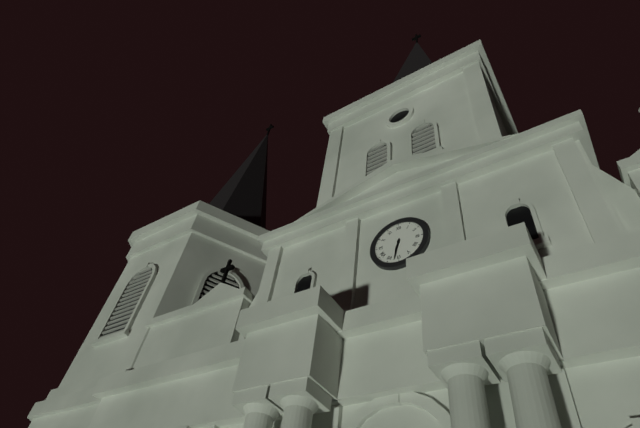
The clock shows h=6 m=32
